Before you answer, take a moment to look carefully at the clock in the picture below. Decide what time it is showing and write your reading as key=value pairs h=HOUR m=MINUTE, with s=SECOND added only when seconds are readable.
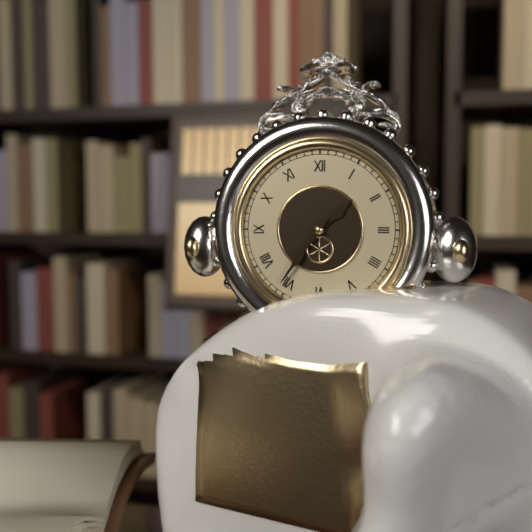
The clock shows h=1 m=36
